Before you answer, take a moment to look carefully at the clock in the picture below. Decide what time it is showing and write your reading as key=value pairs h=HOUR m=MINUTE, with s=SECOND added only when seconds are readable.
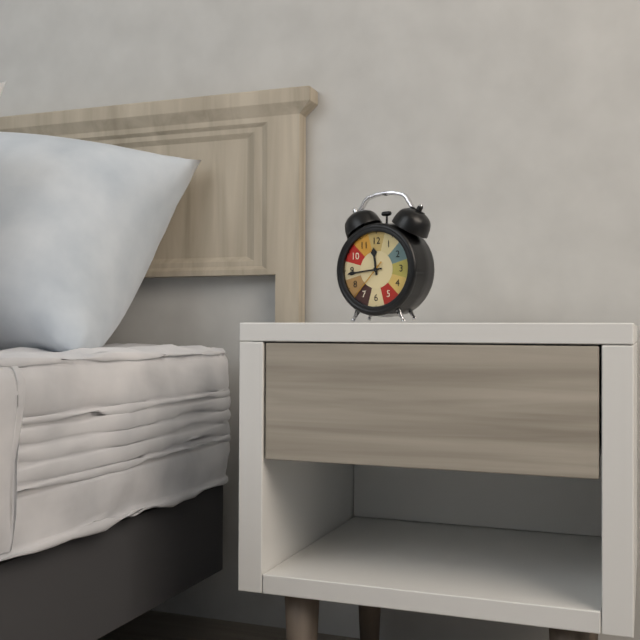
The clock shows h=11 m=44
